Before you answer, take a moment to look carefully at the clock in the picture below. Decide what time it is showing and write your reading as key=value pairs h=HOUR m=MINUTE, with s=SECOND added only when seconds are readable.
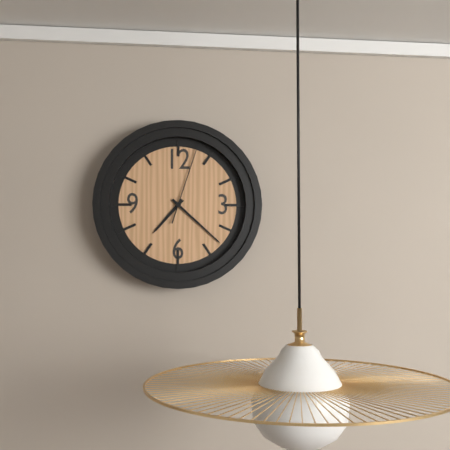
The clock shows h=7 m=22 s=3
